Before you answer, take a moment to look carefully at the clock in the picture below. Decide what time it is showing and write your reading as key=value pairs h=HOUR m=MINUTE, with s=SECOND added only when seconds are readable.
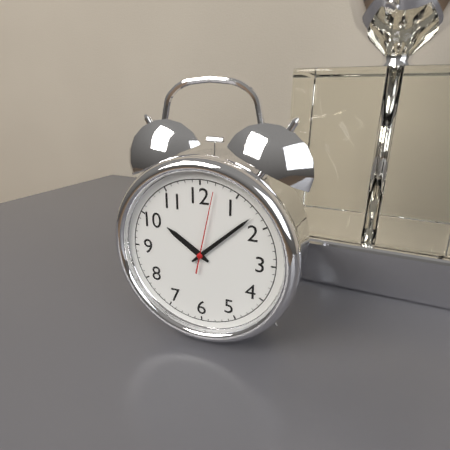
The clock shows h=10 m=8 s=2
